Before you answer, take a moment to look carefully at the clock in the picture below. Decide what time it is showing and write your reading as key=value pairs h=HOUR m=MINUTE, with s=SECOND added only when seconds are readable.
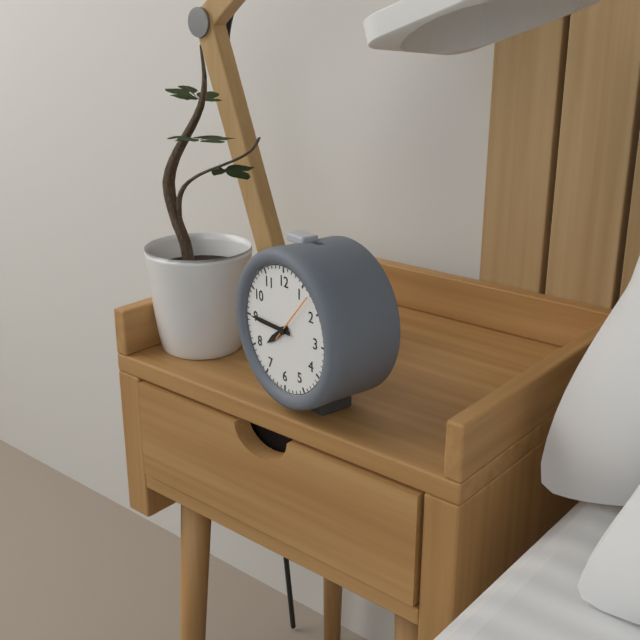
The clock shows h=7 m=45
